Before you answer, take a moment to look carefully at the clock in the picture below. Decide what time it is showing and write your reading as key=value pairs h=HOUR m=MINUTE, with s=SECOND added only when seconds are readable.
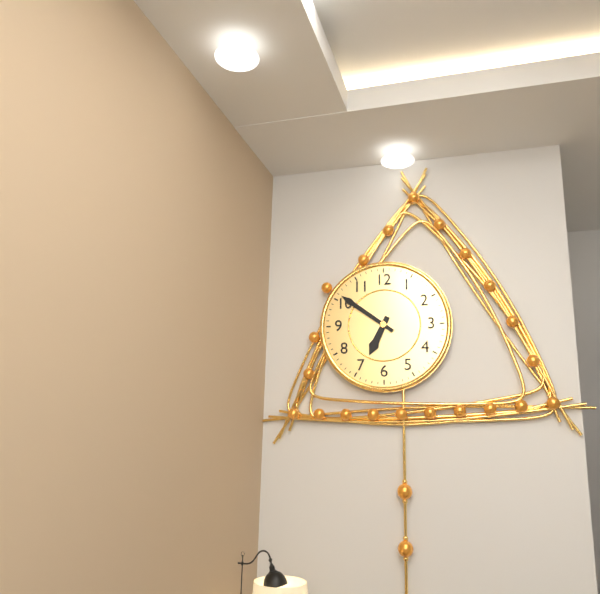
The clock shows h=6 m=51
